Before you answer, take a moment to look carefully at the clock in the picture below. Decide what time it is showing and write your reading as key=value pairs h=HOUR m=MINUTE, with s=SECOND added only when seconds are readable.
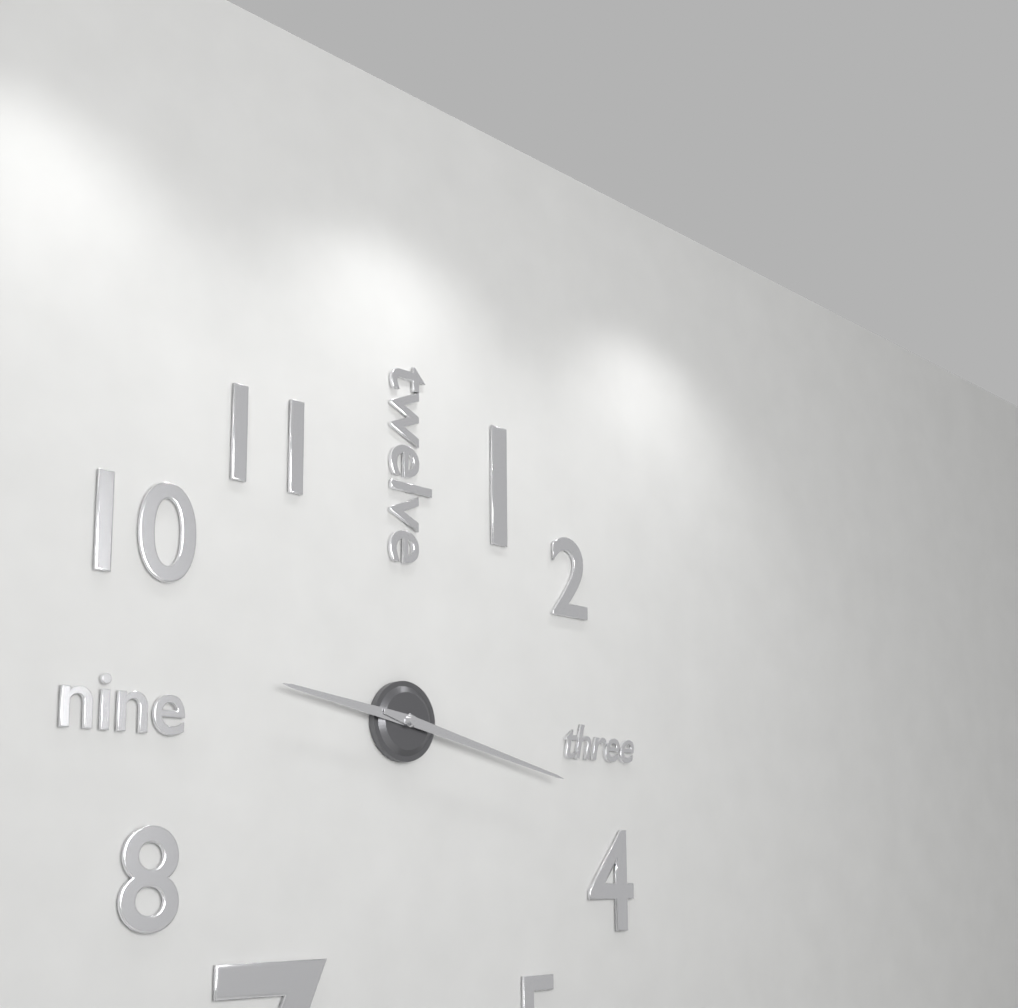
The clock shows h=9 m=17
